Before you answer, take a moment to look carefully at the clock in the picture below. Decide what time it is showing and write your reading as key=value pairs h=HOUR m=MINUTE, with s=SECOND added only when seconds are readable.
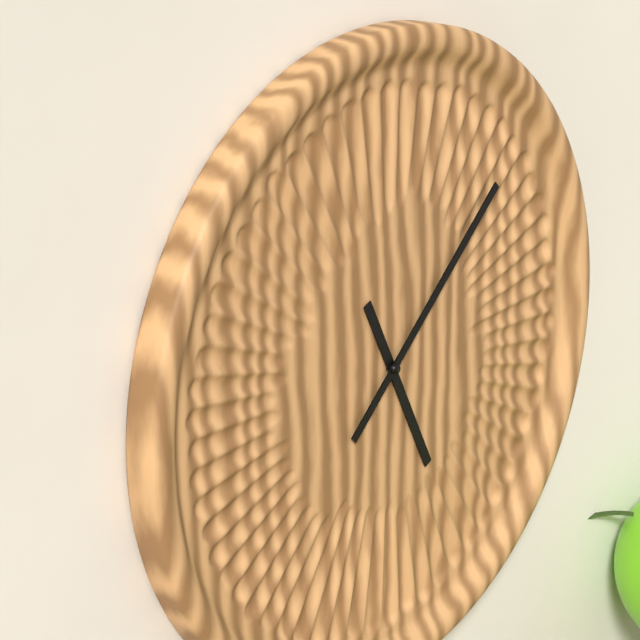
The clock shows h=5 m=8
